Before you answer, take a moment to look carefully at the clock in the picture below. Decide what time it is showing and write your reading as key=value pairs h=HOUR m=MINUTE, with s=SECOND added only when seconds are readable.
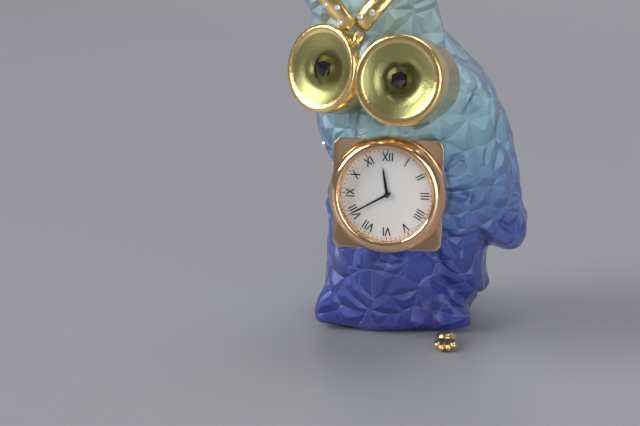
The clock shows h=11 m=40
